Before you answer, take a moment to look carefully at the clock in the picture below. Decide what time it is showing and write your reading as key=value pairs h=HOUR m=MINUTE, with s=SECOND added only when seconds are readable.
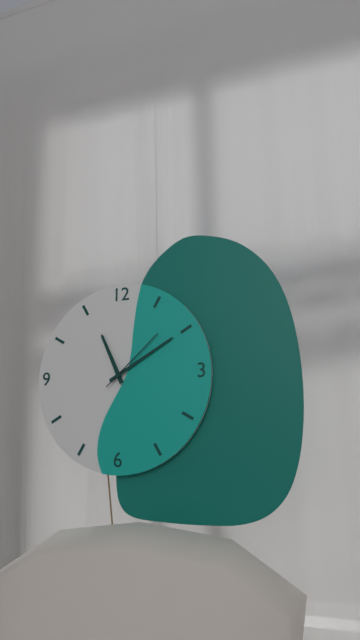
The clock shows h=11 m=10 s=8
